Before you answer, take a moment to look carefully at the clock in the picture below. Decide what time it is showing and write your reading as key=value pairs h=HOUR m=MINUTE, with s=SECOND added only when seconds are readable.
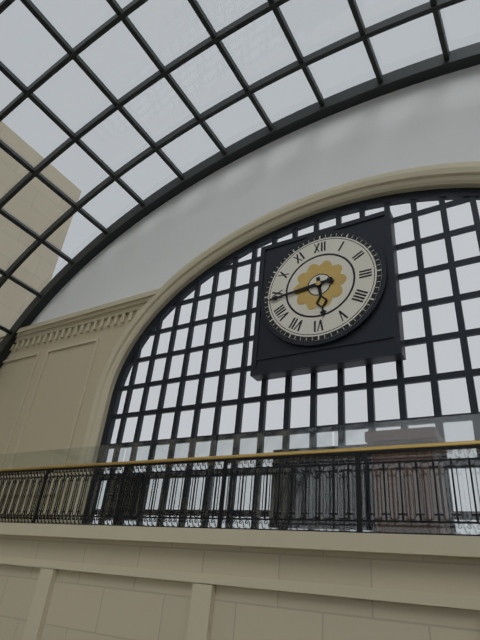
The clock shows h=5 m=44
